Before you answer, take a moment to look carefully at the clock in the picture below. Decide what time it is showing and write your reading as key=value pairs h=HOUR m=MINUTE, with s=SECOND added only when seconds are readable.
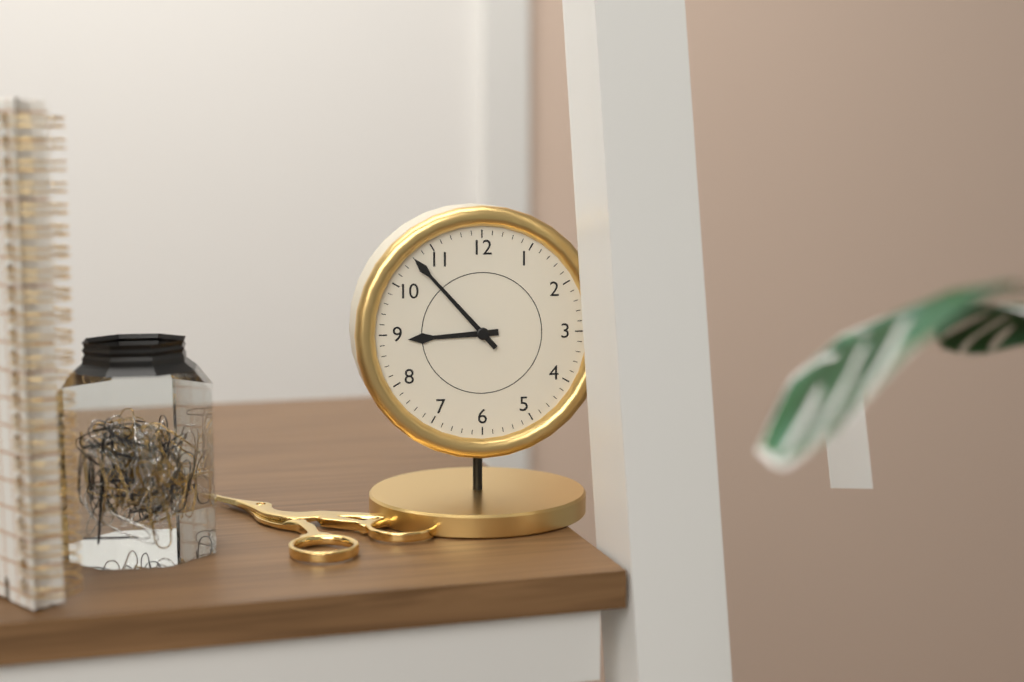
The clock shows h=8 m=53
